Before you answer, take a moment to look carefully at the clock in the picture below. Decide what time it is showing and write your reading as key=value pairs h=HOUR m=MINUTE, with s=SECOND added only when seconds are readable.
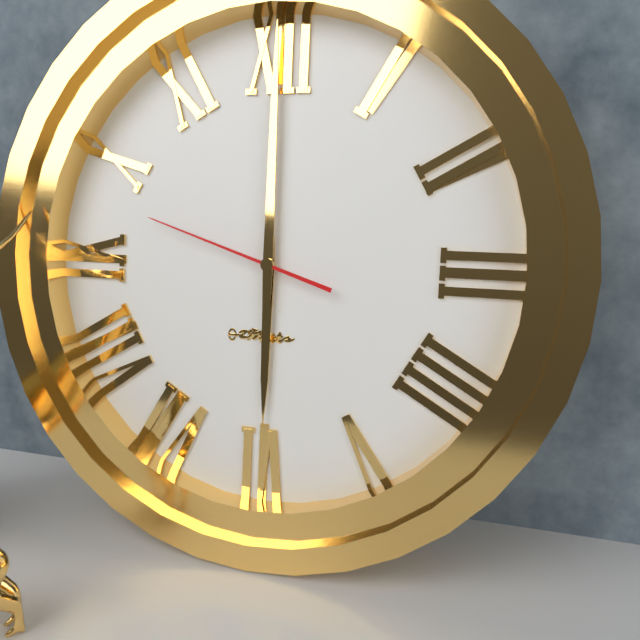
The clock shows h=6 m=0 s=48
